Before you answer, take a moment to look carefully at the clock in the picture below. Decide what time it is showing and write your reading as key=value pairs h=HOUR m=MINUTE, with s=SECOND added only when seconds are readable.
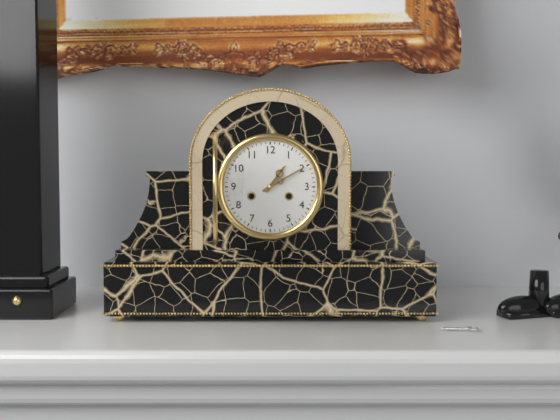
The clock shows h=1 m=10
